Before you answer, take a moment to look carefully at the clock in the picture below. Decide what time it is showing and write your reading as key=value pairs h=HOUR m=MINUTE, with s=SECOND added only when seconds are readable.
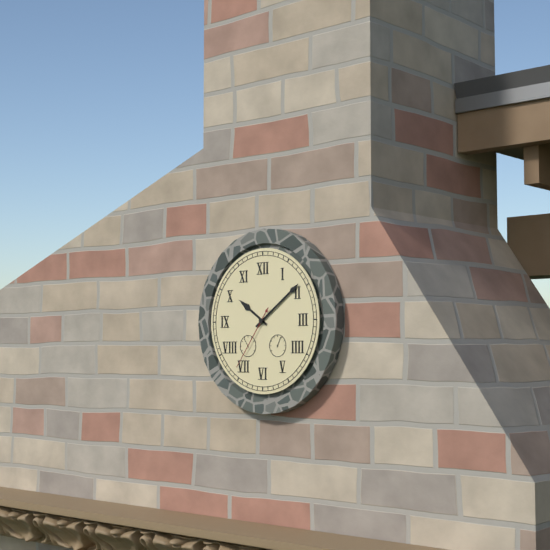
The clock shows h=10 m=9 s=36
